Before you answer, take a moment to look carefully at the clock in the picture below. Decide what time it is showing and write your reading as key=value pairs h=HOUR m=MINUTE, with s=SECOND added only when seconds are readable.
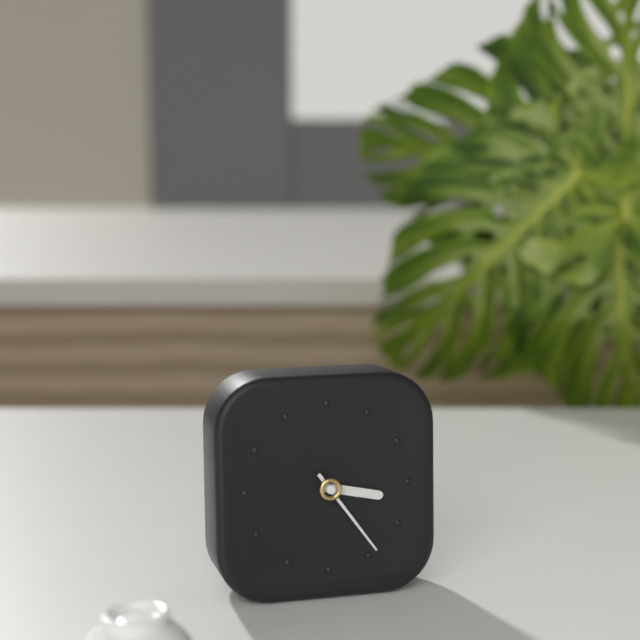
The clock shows h=3 m=24
